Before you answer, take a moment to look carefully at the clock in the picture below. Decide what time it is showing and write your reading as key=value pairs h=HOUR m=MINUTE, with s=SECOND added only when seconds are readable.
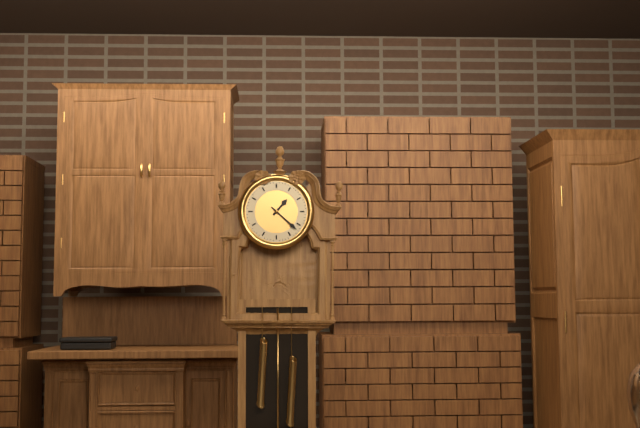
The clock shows h=1 m=22
